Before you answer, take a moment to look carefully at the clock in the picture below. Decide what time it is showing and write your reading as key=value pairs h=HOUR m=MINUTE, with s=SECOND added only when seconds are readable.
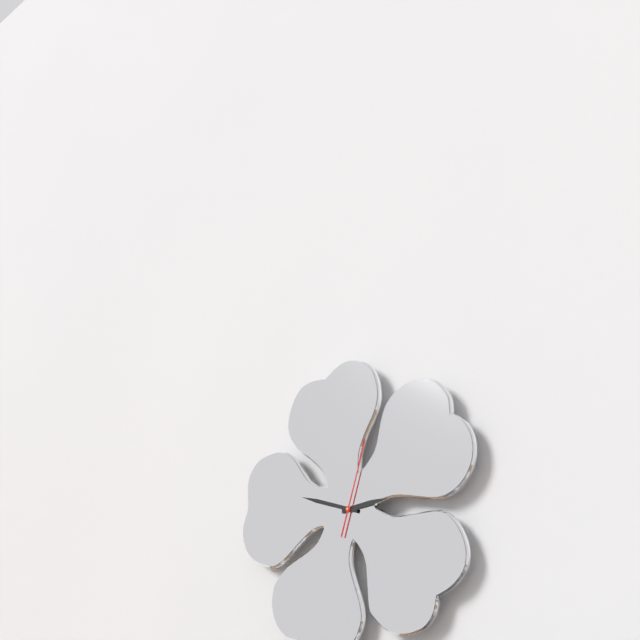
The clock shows h=2 m=48 s=3
